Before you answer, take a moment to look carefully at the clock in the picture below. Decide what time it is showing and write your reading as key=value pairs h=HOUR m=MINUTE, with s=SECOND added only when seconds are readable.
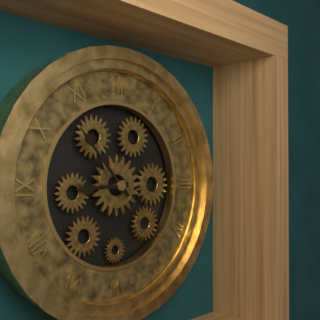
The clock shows h=8 m=53
